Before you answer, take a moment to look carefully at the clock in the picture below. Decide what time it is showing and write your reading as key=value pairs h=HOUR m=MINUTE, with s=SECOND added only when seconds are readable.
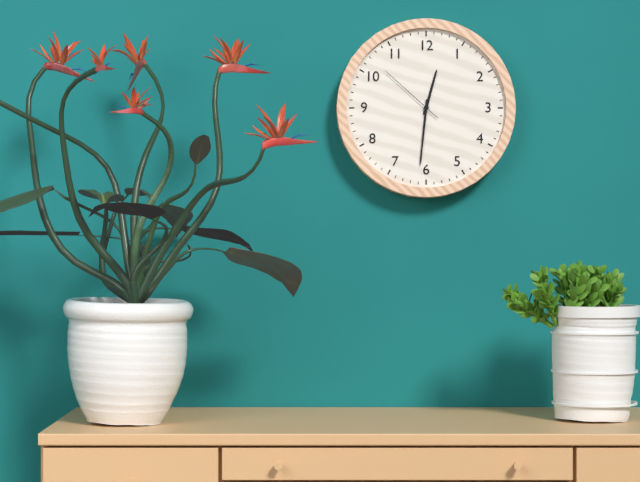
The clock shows h=12 m=31 s=52
